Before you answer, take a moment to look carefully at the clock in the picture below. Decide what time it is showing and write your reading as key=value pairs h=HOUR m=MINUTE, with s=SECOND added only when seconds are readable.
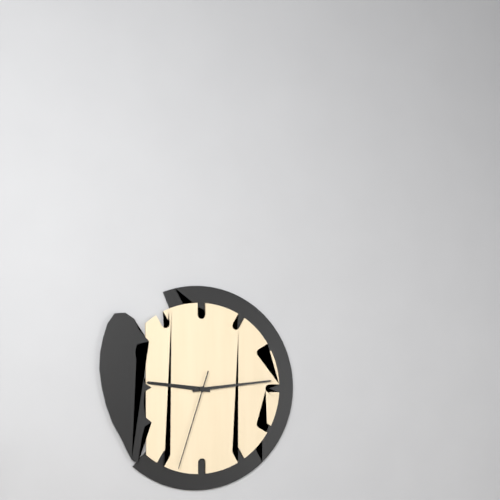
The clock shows h=9 m=14 s=33
